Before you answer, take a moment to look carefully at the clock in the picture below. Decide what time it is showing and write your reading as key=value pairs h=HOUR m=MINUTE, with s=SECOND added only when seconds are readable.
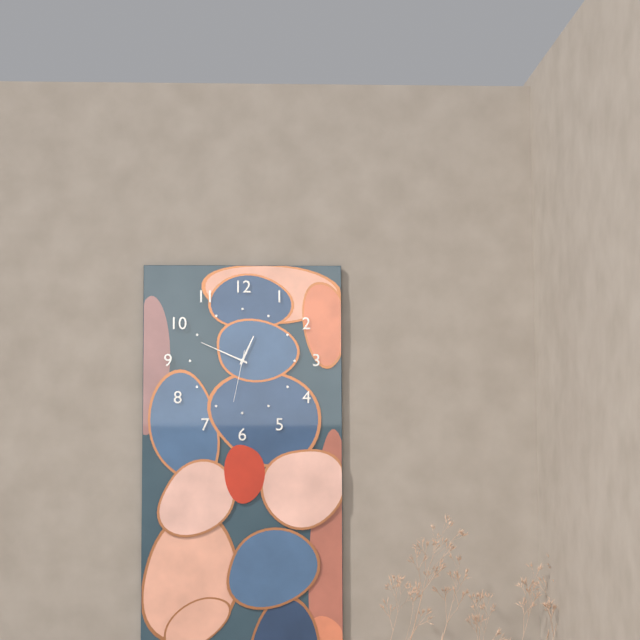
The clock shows h=12 m=49 s=32
